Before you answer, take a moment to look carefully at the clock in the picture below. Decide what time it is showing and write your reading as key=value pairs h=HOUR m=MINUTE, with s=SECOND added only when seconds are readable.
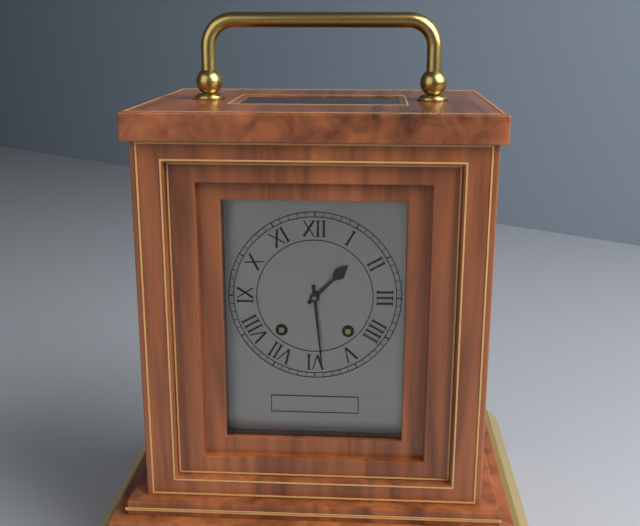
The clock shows h=1 m=29
